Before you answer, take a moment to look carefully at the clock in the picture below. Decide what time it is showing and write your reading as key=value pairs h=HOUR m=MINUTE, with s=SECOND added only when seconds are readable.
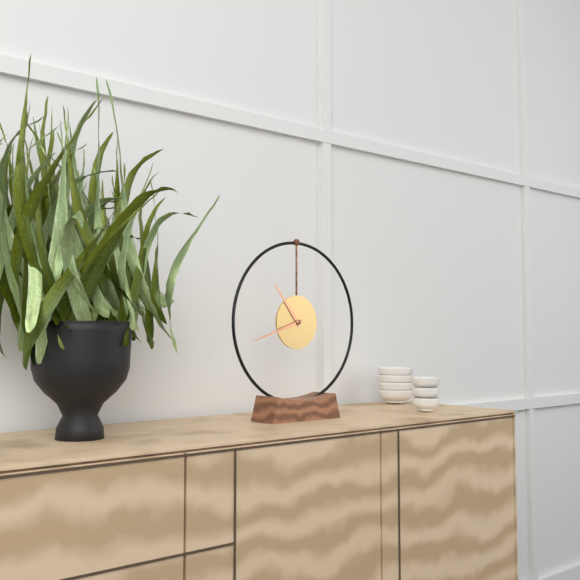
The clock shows h=10 m=42
